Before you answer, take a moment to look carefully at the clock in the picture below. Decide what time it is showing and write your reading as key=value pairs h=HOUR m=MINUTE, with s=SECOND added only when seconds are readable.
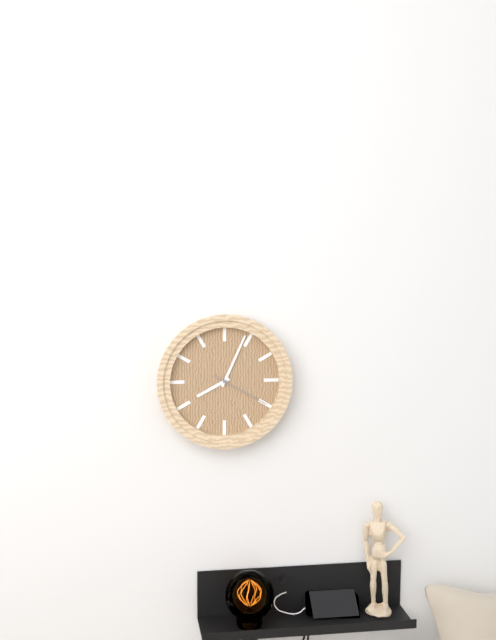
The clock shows h=8 m=4 s=20
